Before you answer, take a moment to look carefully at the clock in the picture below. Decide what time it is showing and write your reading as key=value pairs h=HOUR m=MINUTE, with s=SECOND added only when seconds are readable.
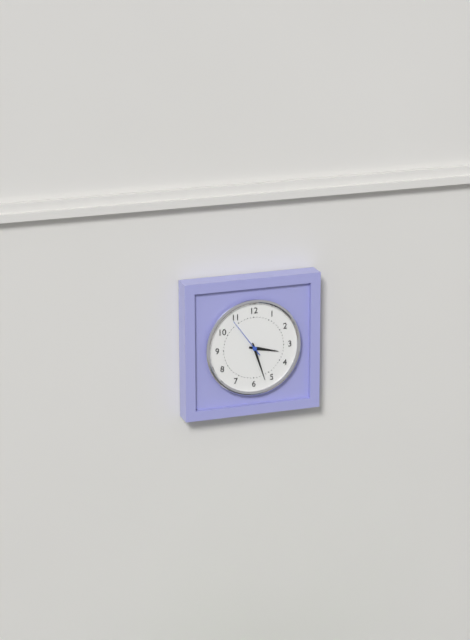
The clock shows h=3 m=27
